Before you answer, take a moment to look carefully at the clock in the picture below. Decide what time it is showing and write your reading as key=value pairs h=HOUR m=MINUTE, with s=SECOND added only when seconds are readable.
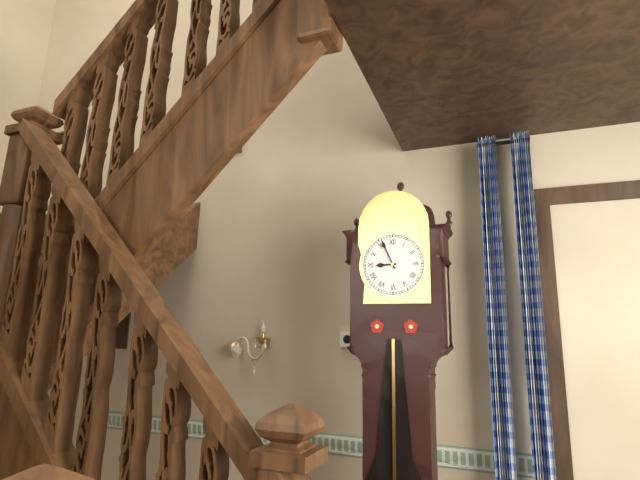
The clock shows h=8 m=56
